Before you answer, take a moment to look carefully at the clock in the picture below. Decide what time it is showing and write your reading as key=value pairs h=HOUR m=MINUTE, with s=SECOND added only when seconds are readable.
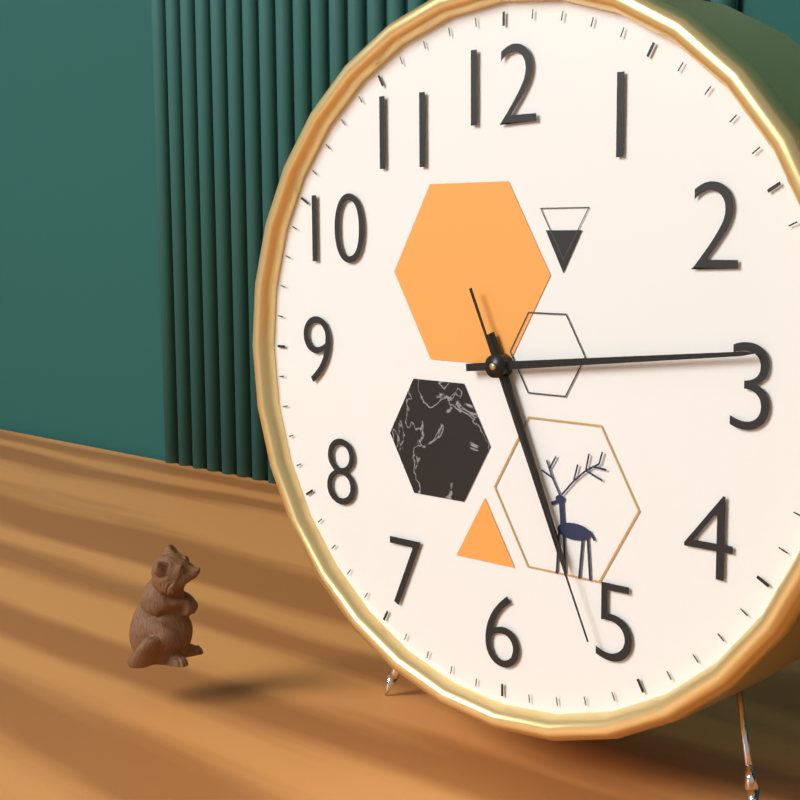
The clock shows h=5 m=14 s=26
